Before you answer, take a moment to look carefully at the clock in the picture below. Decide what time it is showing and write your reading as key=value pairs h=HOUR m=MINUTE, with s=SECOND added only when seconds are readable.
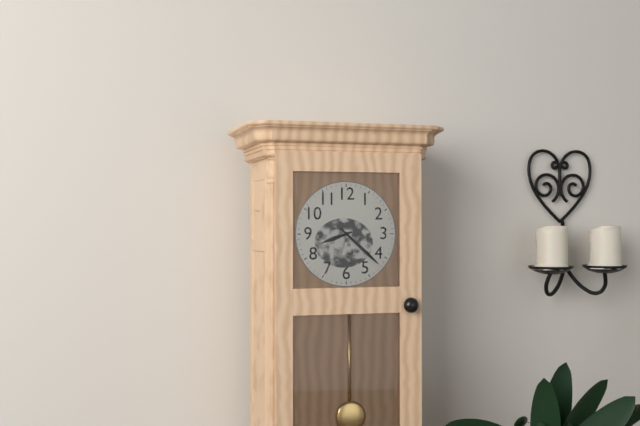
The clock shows h=8 m=22
